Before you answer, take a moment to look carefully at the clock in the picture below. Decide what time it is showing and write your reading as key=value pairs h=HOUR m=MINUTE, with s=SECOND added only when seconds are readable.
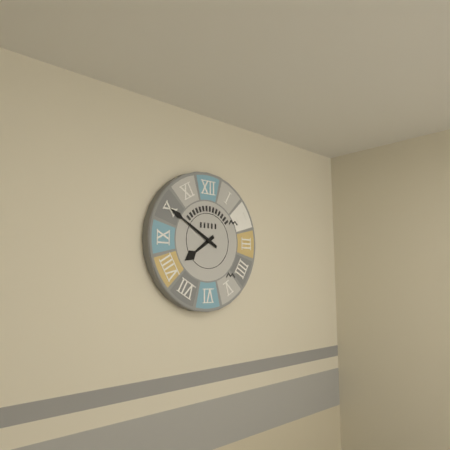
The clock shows h=7 m=50
